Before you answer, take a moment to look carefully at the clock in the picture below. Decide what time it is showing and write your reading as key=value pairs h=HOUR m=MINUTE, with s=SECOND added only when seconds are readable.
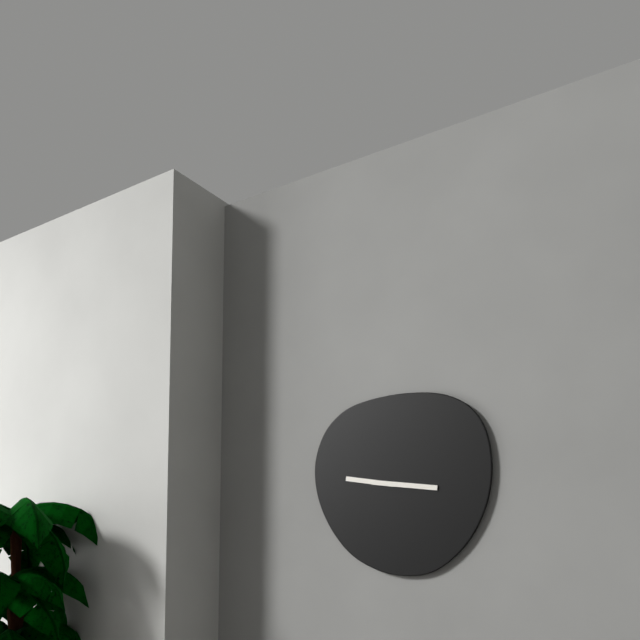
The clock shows h=9 m=16
